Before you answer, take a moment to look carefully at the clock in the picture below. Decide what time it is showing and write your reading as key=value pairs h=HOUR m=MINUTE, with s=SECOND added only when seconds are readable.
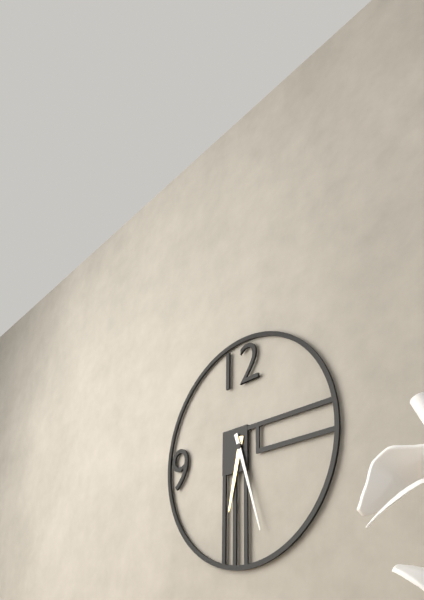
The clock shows h=6 m=27
